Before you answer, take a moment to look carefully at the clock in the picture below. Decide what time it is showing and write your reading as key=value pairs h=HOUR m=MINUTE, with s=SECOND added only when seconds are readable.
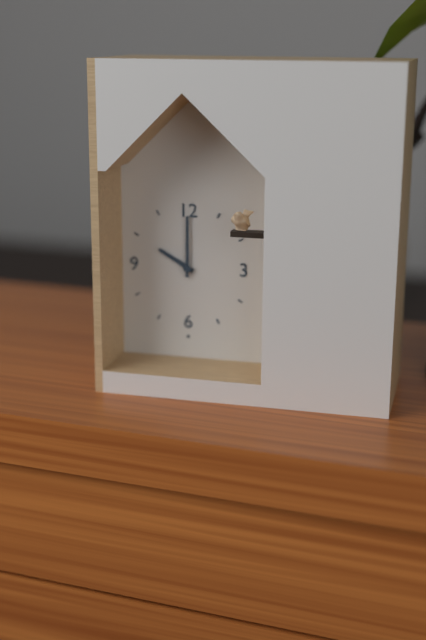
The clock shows h=10 m=0
